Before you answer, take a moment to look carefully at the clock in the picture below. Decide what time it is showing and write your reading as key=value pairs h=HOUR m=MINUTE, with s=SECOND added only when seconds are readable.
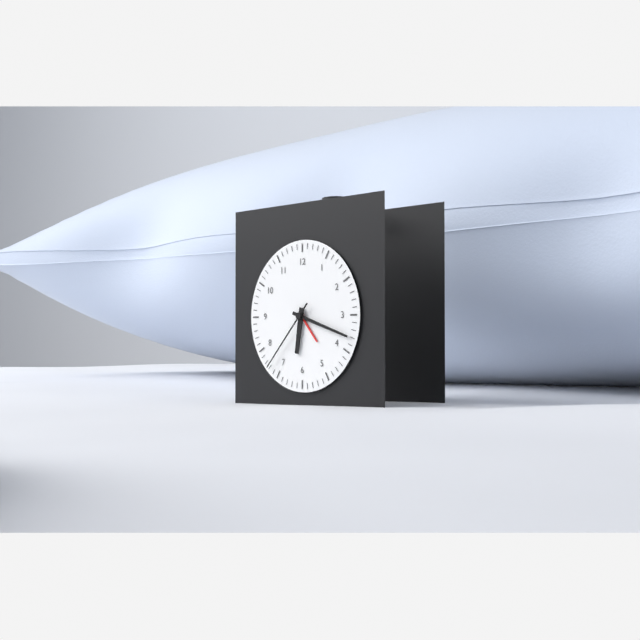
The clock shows h=6 m=18 s=37
